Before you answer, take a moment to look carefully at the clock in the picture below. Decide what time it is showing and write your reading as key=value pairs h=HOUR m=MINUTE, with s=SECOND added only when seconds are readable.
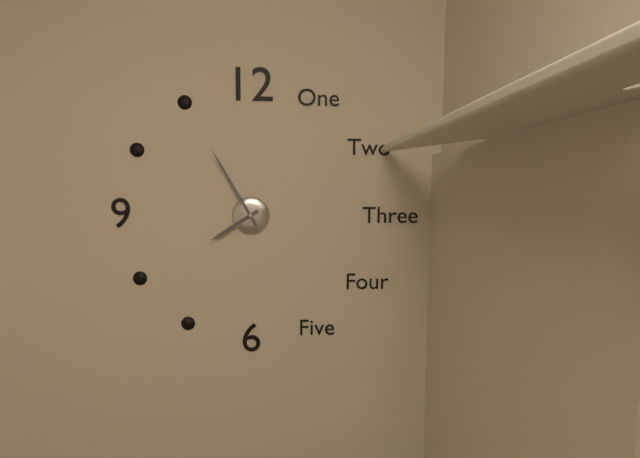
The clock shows h=7 m=55
